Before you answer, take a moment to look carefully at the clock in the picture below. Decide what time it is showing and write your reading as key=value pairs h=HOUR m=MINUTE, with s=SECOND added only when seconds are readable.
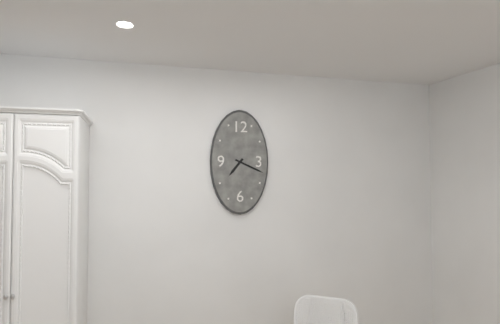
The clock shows h=7 m=19
